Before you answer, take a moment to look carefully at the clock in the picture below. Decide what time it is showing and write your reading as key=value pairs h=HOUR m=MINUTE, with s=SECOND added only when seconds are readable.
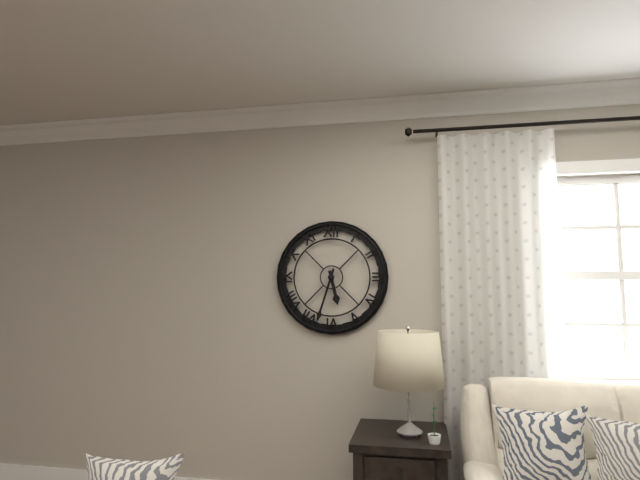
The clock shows h=5 m=33
